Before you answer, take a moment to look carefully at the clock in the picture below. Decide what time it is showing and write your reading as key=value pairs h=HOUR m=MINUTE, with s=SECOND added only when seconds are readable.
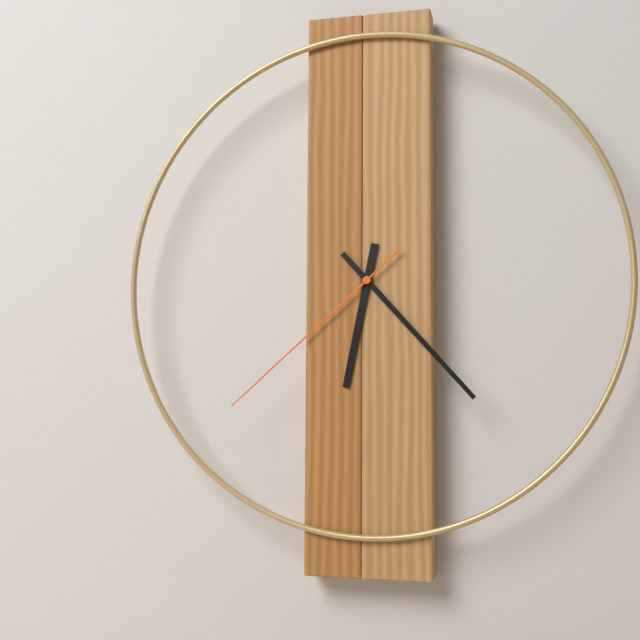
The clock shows h=6 m=23 s=38
